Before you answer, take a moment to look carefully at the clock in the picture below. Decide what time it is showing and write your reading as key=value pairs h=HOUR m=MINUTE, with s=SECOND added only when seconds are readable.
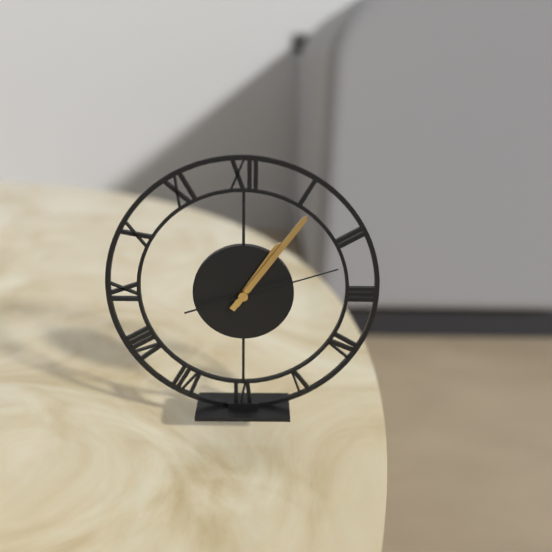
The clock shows h=1 m=6 s=12
